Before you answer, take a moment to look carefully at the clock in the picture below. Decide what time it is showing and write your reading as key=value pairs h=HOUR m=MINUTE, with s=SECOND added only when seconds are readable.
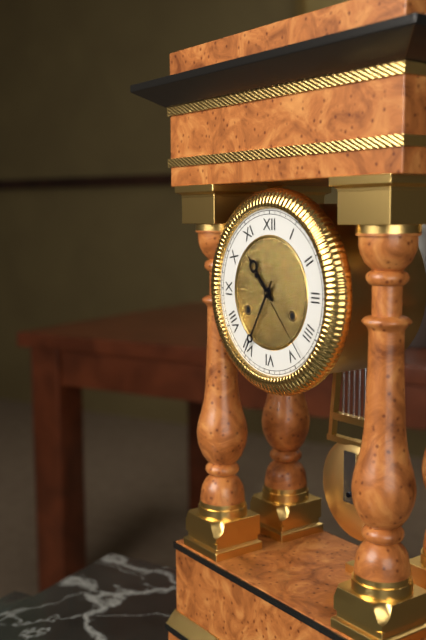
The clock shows h=10 m=35 s=23
